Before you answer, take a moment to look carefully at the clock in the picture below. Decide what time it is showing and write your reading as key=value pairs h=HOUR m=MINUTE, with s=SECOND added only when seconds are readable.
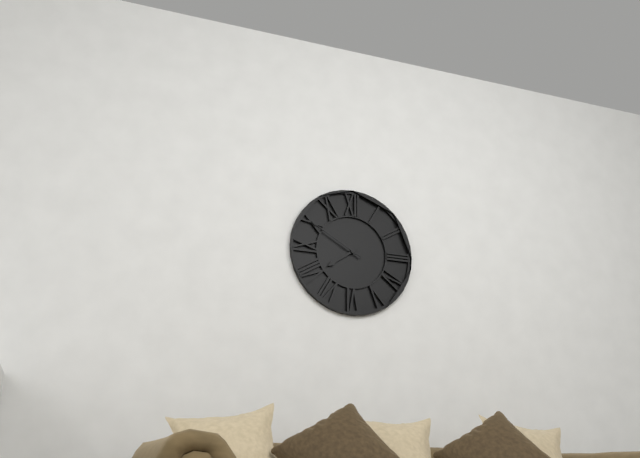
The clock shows h=7 m=50
